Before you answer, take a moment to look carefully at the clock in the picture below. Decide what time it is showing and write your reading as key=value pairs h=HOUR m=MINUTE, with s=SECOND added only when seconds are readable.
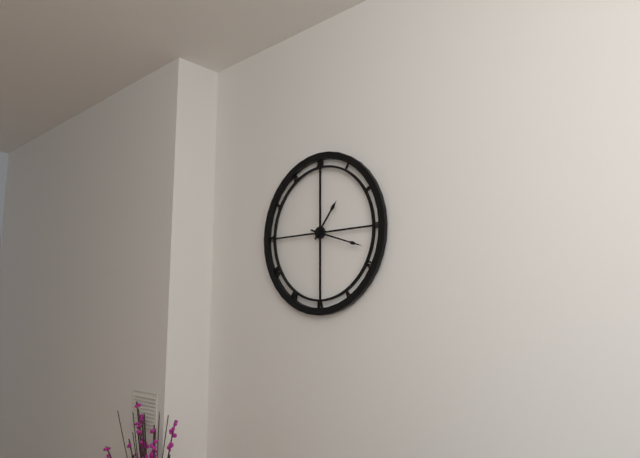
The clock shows h=1 m=18
